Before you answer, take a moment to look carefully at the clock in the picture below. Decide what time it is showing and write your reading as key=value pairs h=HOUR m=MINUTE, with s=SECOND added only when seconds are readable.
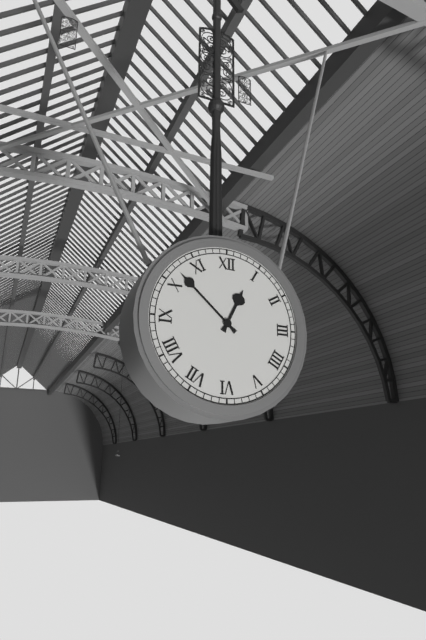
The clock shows h=12 m=52
